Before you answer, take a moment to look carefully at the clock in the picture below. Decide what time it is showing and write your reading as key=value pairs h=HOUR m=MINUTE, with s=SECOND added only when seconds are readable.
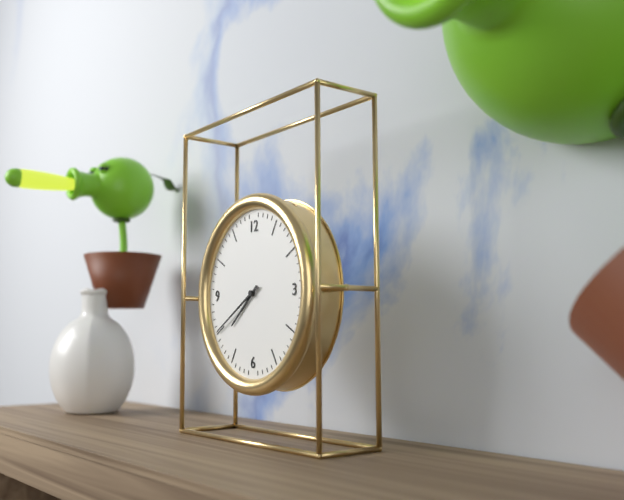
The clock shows h=7 m=40
